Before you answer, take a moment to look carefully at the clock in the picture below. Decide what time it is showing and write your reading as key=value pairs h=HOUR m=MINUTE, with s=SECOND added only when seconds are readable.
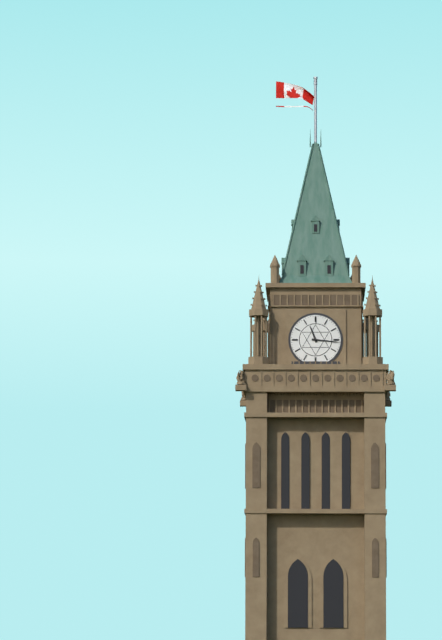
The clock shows h=11 m=16
